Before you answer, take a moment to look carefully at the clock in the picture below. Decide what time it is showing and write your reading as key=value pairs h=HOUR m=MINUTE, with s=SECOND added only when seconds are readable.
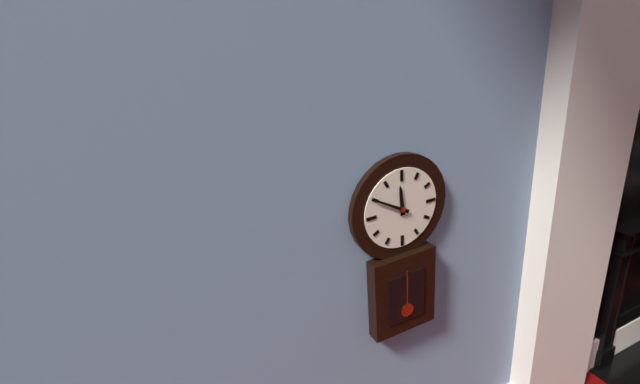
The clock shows h=11 m=50
